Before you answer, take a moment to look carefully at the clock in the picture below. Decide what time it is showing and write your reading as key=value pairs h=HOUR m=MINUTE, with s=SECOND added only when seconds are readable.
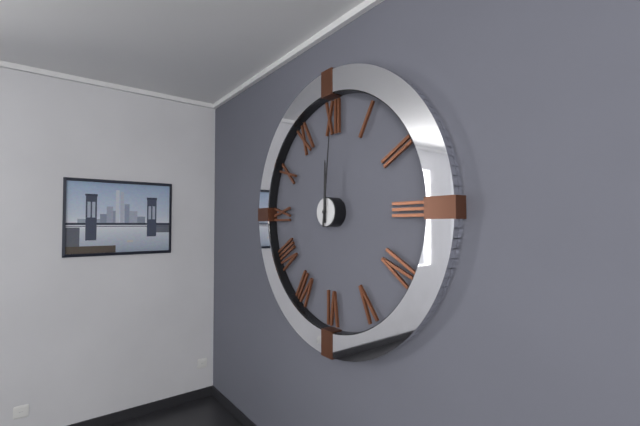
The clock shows h=12 m=1
